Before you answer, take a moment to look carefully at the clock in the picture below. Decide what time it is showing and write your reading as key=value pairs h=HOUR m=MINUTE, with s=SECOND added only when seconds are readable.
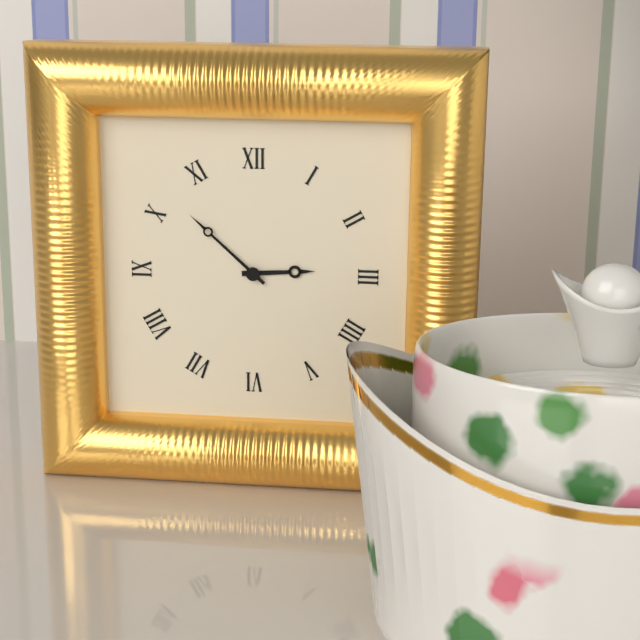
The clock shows h=2 m=52
